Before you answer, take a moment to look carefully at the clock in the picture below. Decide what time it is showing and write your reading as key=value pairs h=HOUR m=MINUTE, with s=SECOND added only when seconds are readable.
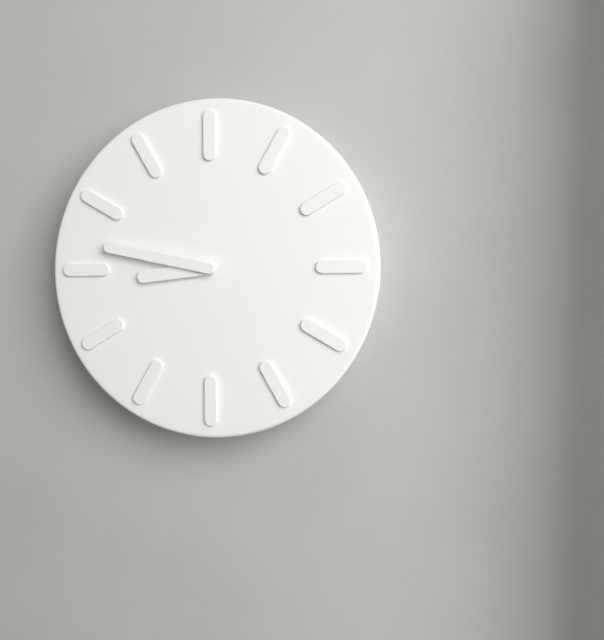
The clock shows h=8 m=47
